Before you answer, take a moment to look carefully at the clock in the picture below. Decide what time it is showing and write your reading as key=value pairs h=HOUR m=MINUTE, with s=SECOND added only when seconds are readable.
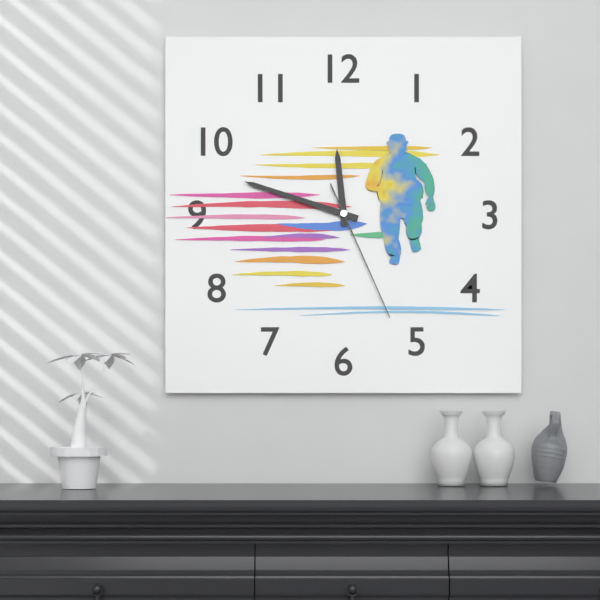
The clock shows h=11 m=48 s=26
